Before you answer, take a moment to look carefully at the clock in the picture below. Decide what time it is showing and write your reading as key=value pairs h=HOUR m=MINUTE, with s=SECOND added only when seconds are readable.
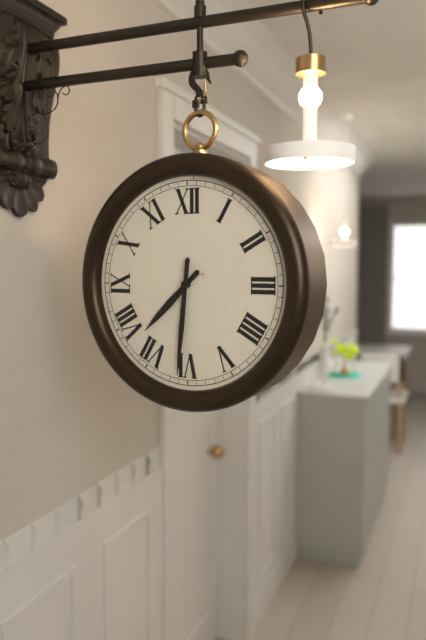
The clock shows h=7 m=31
